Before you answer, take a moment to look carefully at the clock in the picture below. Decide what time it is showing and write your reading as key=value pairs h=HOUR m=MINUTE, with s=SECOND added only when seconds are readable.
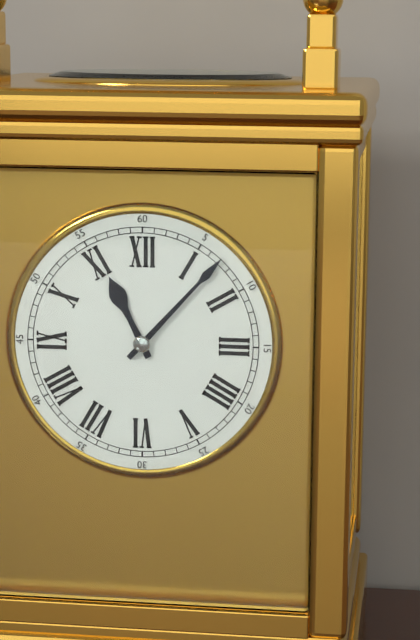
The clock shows h=11 m=7
